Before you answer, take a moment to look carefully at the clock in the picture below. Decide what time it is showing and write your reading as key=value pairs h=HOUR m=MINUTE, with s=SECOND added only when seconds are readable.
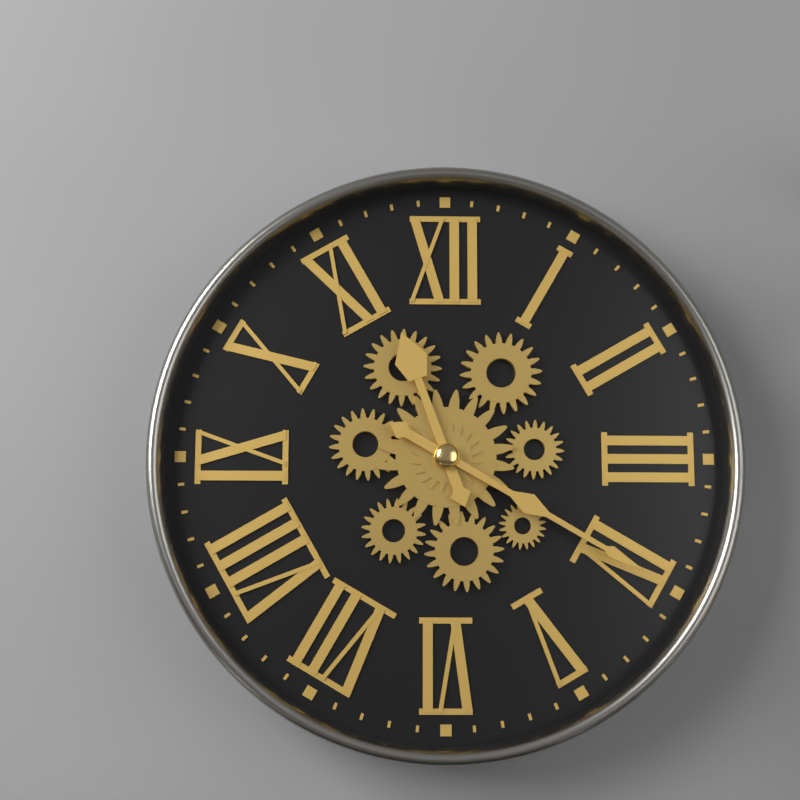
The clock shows h=11 m=20
